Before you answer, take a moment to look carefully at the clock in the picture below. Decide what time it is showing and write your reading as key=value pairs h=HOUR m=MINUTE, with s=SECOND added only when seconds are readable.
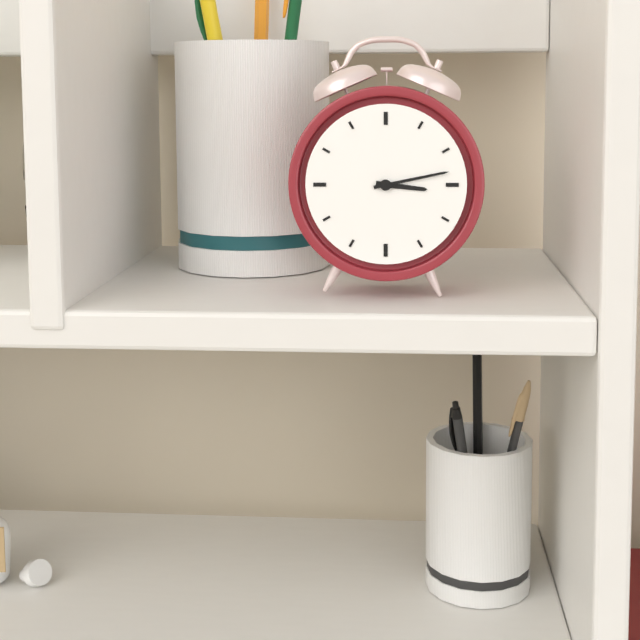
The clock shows h=3 m=13
